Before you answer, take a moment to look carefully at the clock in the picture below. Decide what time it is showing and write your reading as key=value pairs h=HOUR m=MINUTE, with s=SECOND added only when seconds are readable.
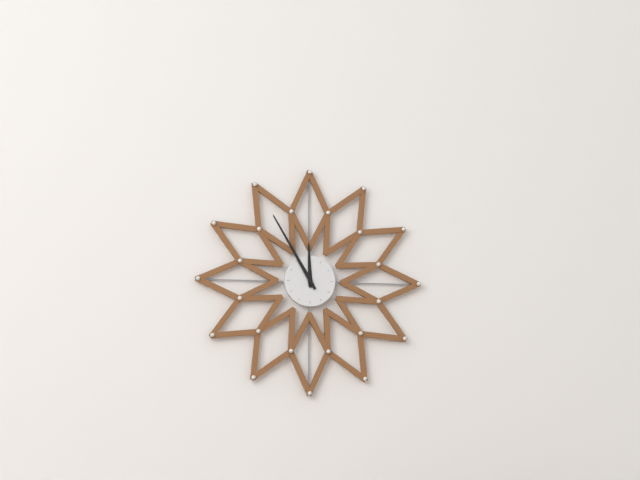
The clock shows h=11 m=55
